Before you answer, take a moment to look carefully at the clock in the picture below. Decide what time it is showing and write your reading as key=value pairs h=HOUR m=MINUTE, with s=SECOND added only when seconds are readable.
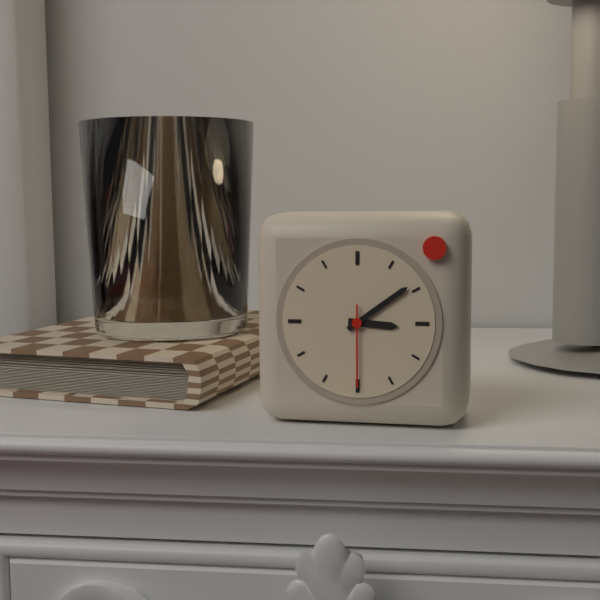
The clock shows h=3 m=9 s=30
